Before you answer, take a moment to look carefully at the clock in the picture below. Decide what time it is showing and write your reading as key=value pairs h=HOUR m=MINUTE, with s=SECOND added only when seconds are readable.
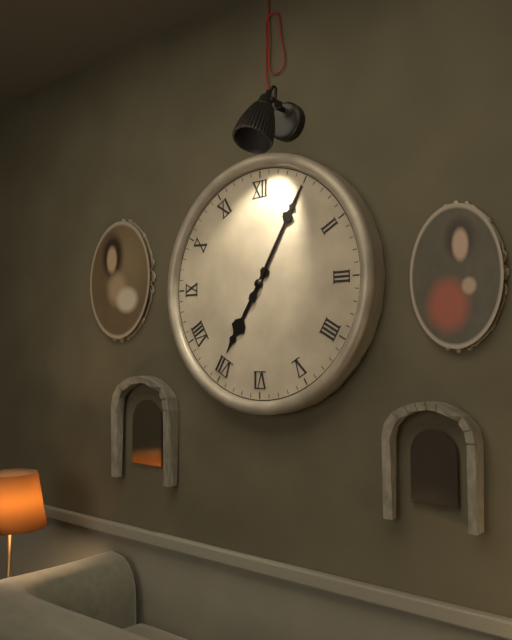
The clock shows h=7 m=5
